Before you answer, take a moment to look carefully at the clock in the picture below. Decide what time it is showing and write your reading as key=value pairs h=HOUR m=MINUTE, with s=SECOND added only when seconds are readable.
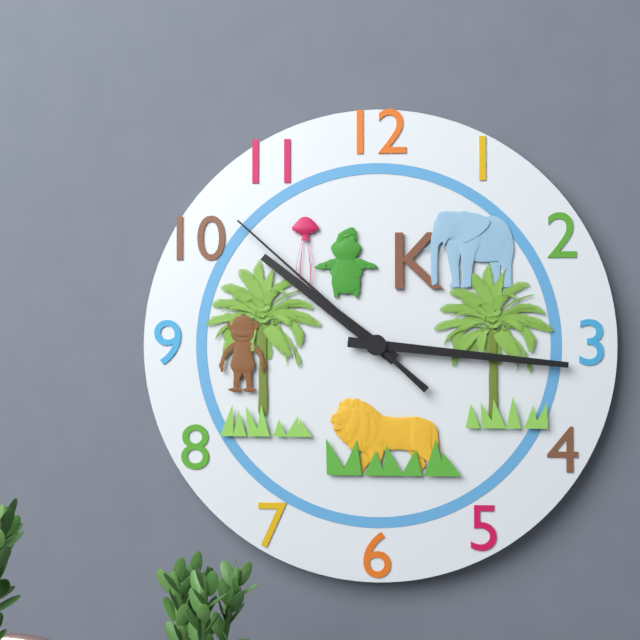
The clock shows h=10 m=16 s=52
